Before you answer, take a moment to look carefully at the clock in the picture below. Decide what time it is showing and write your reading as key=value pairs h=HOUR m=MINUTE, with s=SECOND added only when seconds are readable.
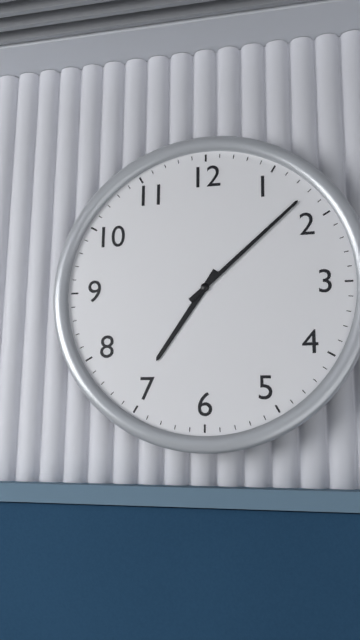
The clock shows h=7 m=8
